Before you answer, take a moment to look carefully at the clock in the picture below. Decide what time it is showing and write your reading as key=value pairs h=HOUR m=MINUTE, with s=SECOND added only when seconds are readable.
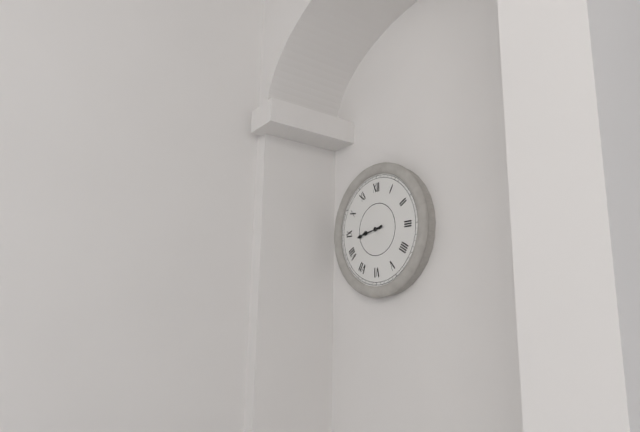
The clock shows h=8 m=43
